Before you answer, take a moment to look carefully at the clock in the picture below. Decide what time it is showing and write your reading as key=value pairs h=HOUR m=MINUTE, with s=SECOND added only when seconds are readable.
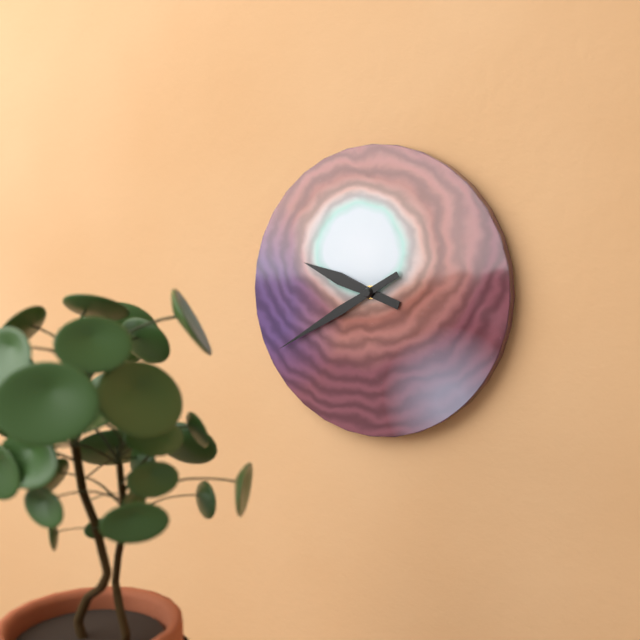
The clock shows h=9 m=40
